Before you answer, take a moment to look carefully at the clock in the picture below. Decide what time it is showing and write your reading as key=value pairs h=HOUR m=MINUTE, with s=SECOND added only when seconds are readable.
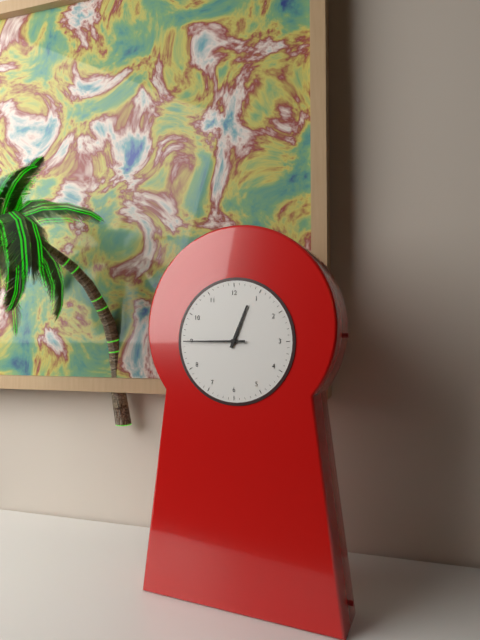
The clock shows h=12 m=45
